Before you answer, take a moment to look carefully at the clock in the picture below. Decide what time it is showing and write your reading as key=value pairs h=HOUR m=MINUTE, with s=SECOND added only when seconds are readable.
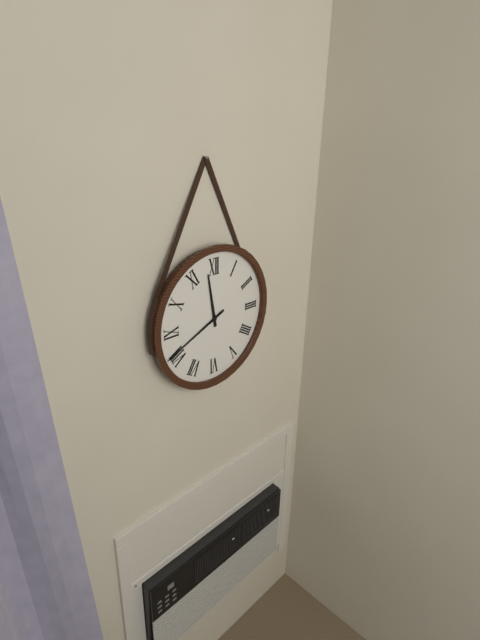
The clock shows h=11 m=41
